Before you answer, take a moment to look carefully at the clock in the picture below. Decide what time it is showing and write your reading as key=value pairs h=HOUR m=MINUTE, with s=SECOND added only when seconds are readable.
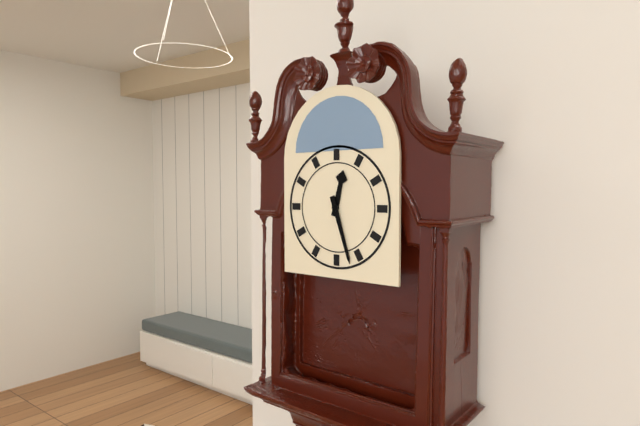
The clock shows h=12 m=27
